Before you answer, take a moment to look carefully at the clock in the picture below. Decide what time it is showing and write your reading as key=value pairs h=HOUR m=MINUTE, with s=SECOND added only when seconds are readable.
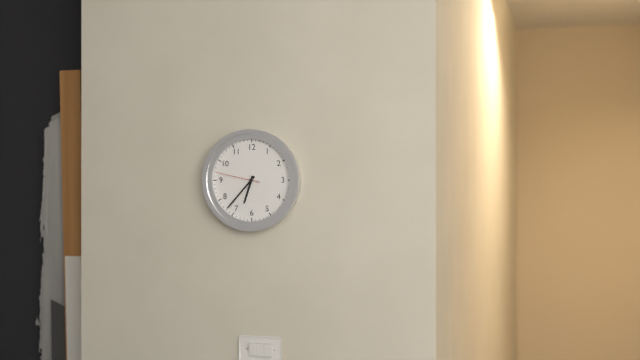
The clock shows h=6 m=37
